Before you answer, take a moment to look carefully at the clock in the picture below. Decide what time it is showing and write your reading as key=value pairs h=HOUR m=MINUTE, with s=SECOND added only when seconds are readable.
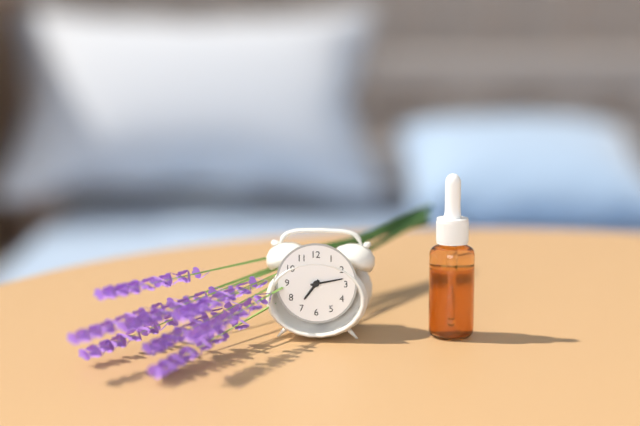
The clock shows h=7 m=13
